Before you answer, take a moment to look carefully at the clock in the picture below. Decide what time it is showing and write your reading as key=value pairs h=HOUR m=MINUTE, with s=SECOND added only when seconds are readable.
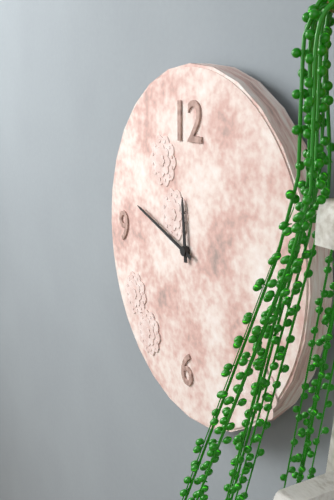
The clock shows h=11 m=48
